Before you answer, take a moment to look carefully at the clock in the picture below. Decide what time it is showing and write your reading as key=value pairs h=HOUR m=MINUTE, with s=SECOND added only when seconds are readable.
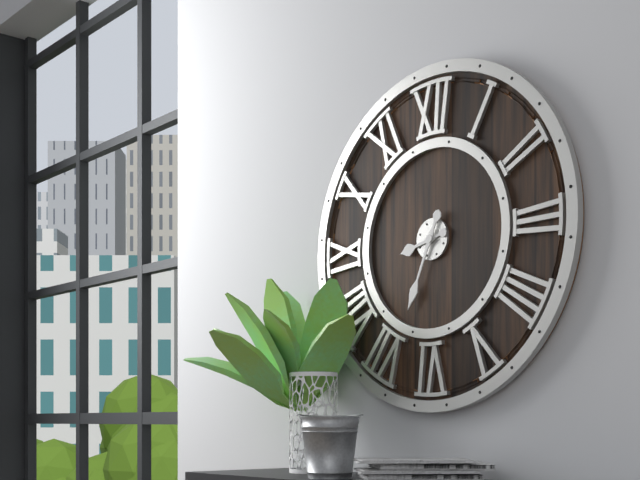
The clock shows h=8 m=34
